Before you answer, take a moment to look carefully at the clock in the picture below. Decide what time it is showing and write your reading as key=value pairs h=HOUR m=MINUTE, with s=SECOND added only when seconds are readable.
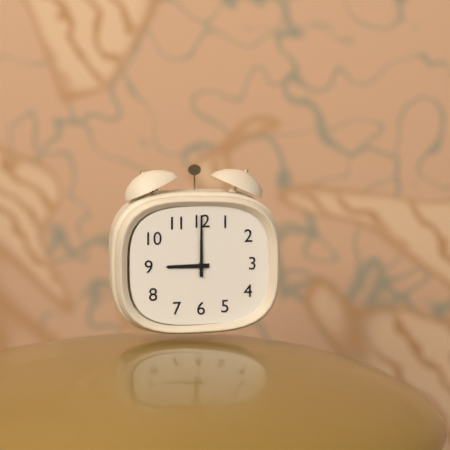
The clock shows h=9 m=0
